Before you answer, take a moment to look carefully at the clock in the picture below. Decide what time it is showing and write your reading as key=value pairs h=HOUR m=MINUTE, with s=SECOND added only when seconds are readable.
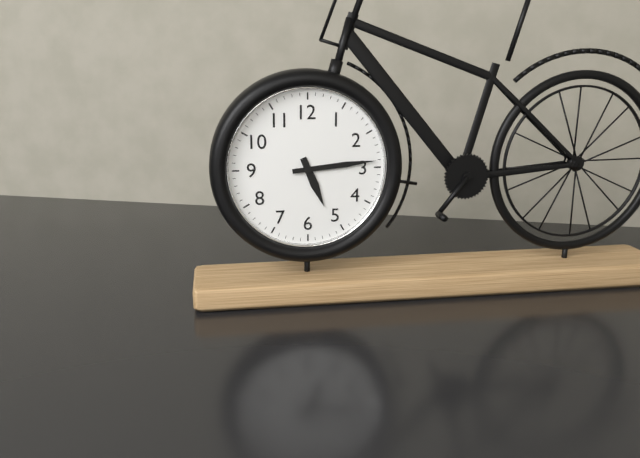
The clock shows h=5 m=14
